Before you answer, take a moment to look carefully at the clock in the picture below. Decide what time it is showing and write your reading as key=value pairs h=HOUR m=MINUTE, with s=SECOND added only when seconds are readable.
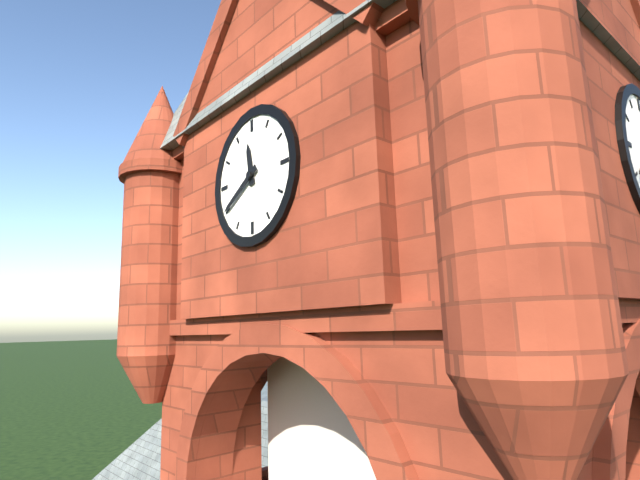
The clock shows h=11 m=40
